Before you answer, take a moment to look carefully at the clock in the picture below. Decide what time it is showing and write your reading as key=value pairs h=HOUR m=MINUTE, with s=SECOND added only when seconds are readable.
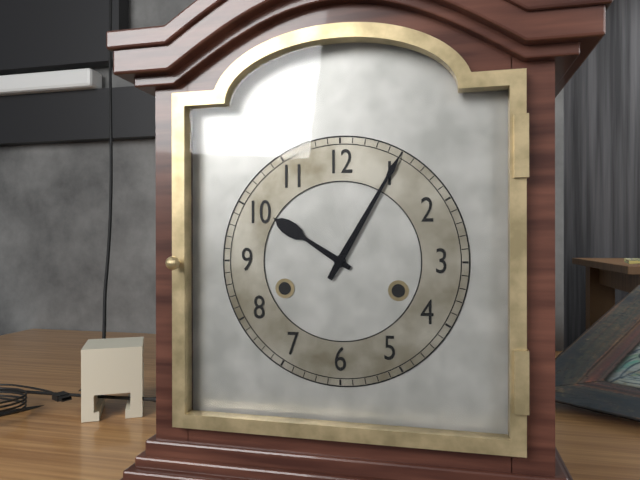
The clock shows h=10 m=5
